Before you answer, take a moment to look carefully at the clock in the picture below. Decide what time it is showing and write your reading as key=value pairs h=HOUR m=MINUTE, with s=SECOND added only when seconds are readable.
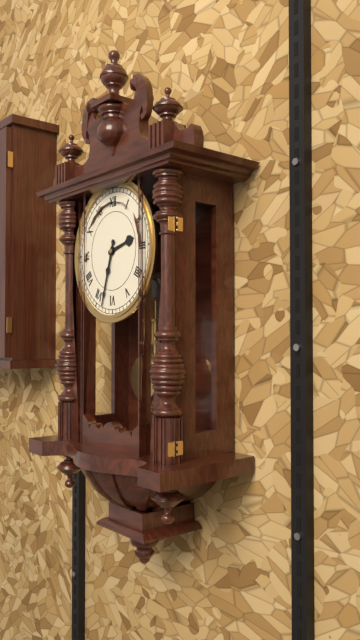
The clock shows h=2 m=33
